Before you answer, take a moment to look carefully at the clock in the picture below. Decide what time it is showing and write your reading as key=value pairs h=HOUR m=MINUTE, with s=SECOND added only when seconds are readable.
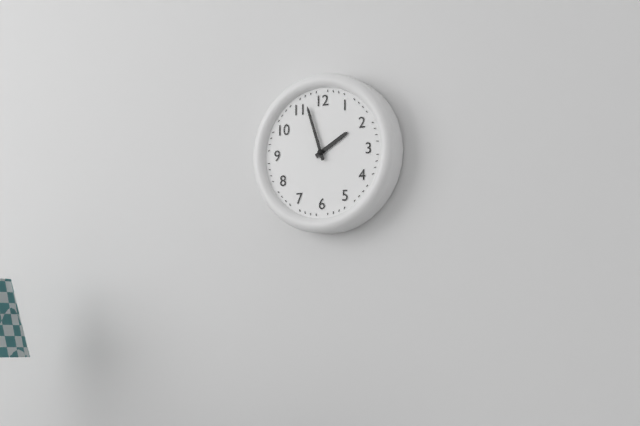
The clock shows h=1 m=57
